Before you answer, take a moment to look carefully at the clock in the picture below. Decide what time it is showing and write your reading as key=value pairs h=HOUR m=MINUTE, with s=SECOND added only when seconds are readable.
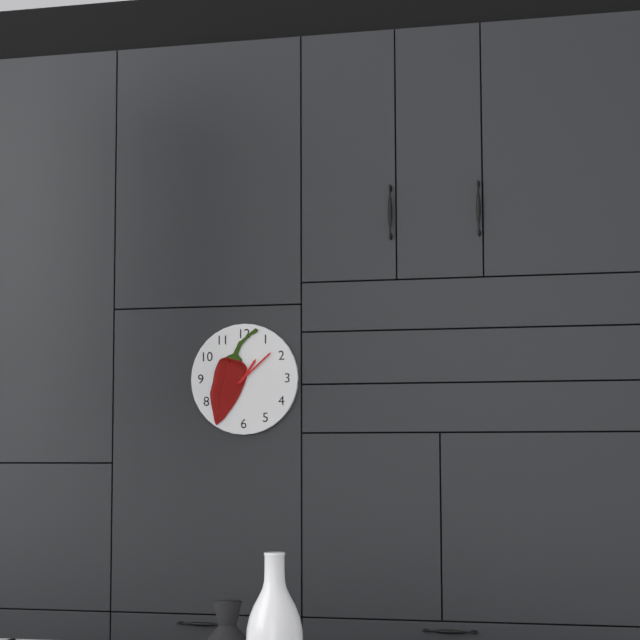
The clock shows h=1 m=8
